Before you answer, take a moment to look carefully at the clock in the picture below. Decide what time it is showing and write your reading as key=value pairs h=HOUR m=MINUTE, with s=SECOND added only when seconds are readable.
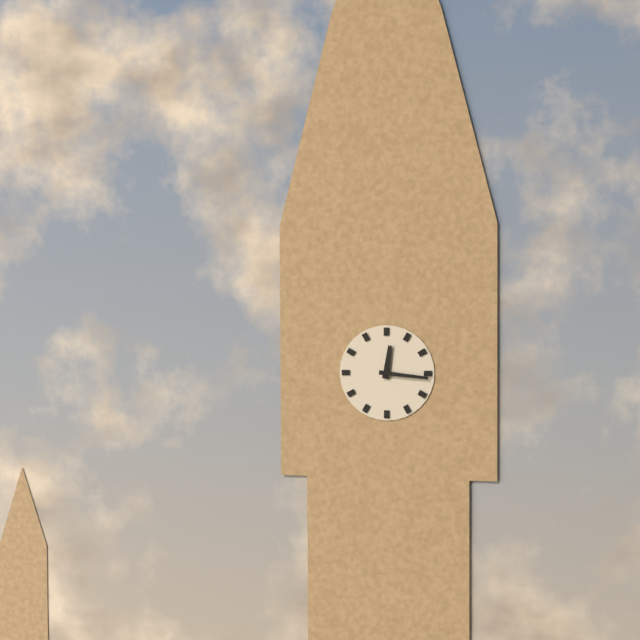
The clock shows h=12 m=16
